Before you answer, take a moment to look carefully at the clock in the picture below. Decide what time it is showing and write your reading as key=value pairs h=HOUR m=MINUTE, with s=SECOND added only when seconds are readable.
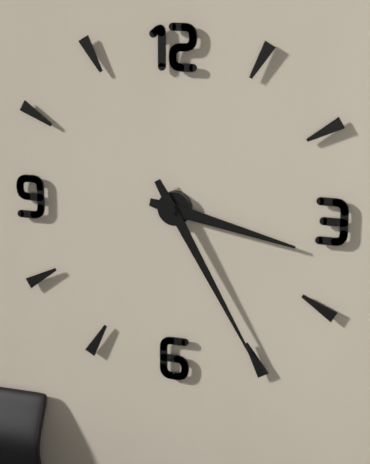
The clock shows h=3 m=25
